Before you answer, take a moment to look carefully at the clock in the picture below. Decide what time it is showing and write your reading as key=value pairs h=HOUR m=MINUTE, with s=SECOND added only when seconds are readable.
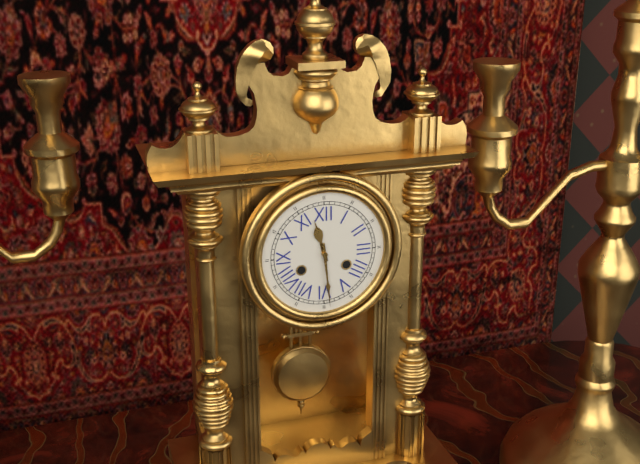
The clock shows h=11 m=29
